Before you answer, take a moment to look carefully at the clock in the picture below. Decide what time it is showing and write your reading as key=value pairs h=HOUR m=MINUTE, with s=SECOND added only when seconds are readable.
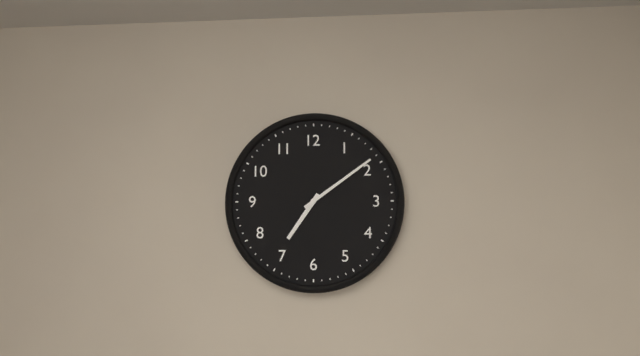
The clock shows h=7 m=9
